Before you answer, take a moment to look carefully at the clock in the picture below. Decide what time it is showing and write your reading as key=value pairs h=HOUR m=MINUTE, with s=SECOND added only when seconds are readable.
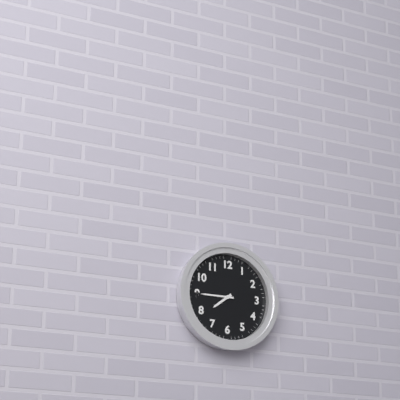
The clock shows h=7 m=45
